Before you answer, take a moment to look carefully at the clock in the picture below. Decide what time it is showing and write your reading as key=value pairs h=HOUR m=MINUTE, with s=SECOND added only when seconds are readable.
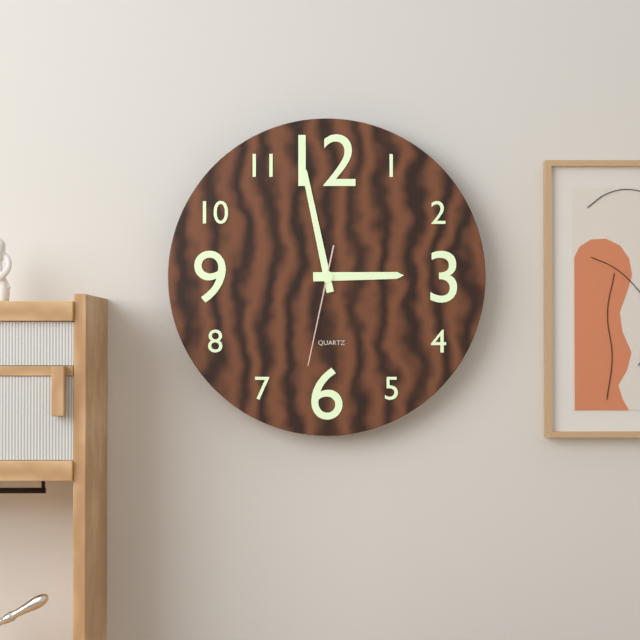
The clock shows h=2 m=58 s=32
